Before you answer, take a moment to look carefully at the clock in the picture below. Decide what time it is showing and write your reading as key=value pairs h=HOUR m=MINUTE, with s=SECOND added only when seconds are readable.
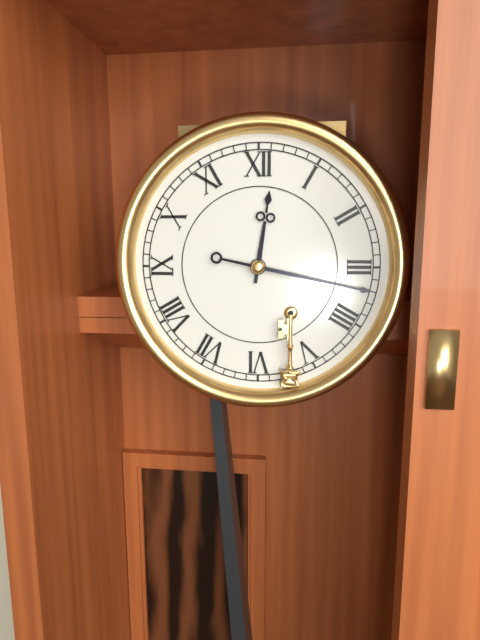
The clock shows h=12 m=17
